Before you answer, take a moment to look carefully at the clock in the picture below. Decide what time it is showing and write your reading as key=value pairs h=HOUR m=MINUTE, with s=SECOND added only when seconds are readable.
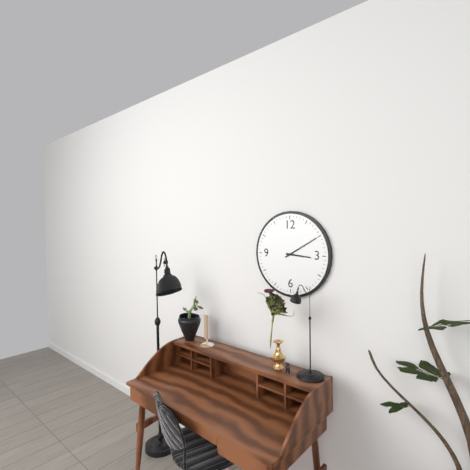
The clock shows h=3 m=10
